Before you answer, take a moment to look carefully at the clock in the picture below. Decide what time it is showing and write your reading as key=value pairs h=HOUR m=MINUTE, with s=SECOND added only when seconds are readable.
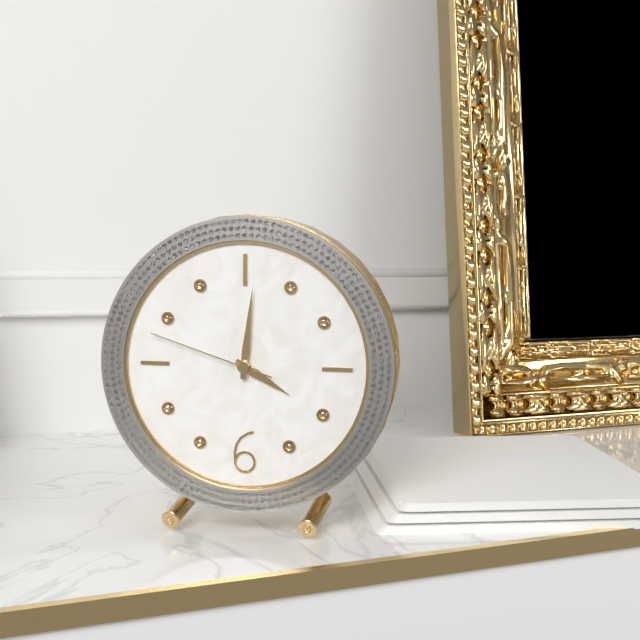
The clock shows h=4 m=1 s=48
